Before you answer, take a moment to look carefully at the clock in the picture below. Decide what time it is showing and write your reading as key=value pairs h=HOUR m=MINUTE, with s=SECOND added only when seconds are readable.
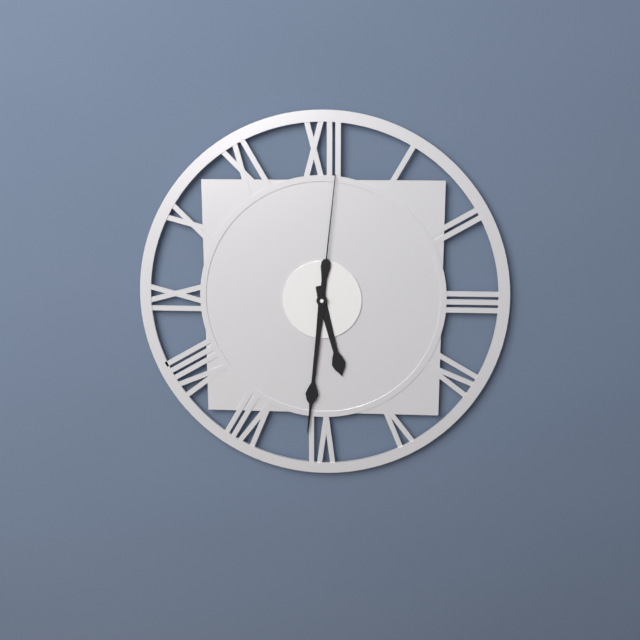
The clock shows h=5 m=31 s=1
